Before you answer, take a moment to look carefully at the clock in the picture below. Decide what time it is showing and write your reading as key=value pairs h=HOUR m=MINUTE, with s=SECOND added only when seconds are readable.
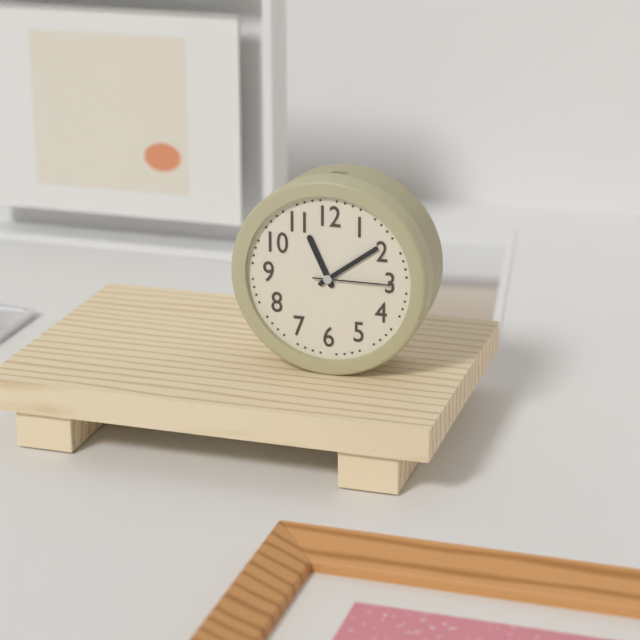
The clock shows h=11 m=9 s=15
